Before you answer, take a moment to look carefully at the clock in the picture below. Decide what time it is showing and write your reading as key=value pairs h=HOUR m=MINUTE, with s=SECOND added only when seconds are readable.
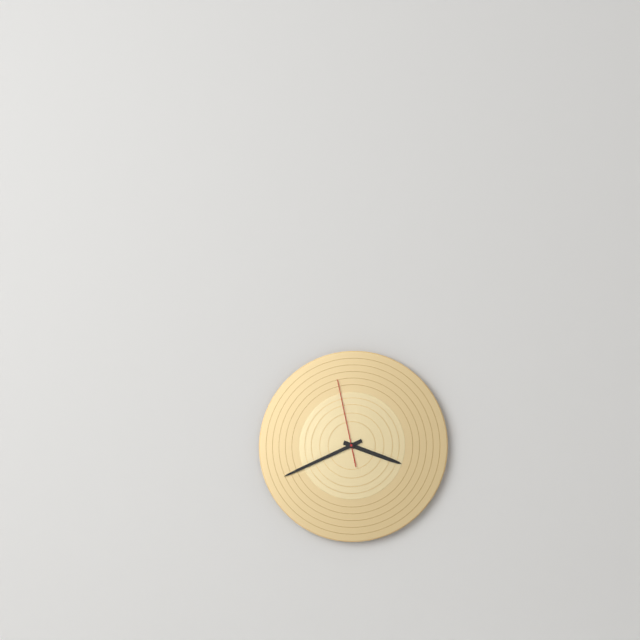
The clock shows h=3 m=41 s=58
